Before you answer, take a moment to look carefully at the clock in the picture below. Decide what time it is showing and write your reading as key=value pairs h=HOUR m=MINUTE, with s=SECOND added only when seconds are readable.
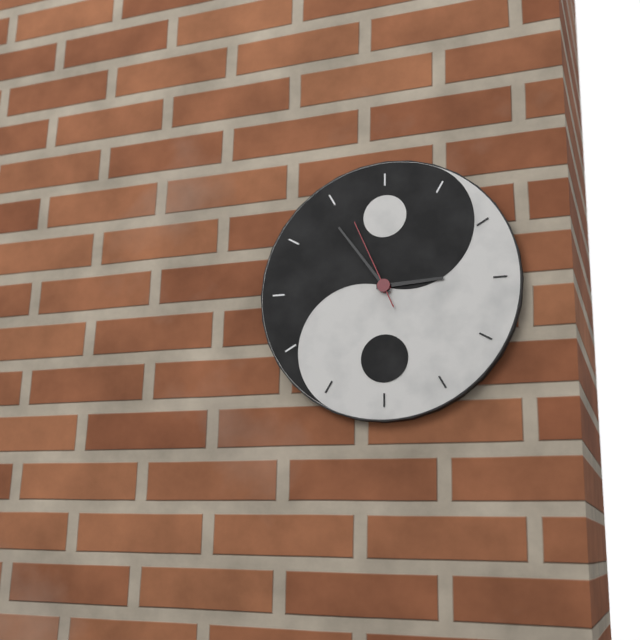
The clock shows h=2 m=54 s=56
